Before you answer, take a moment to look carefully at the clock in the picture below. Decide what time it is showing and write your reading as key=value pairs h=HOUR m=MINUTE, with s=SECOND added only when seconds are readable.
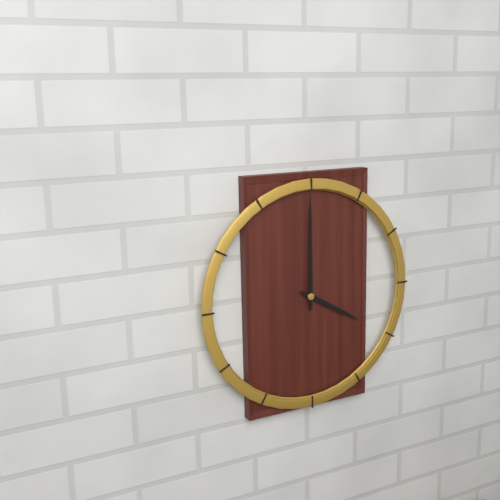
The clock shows h=4 m=0
